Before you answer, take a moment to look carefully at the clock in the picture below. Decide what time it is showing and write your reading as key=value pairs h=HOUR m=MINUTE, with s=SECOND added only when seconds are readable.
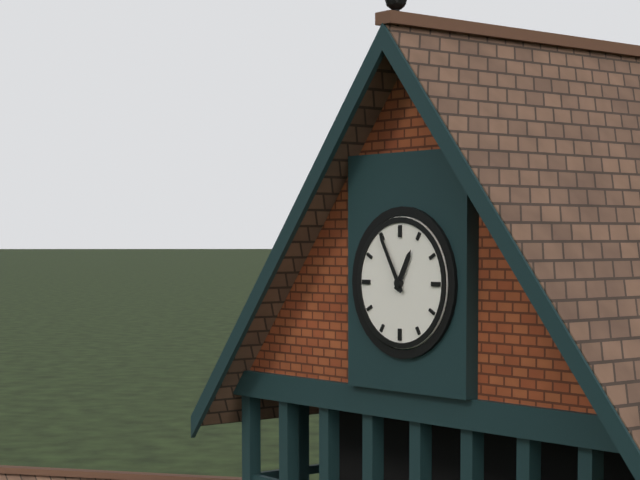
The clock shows h=12 m=55
